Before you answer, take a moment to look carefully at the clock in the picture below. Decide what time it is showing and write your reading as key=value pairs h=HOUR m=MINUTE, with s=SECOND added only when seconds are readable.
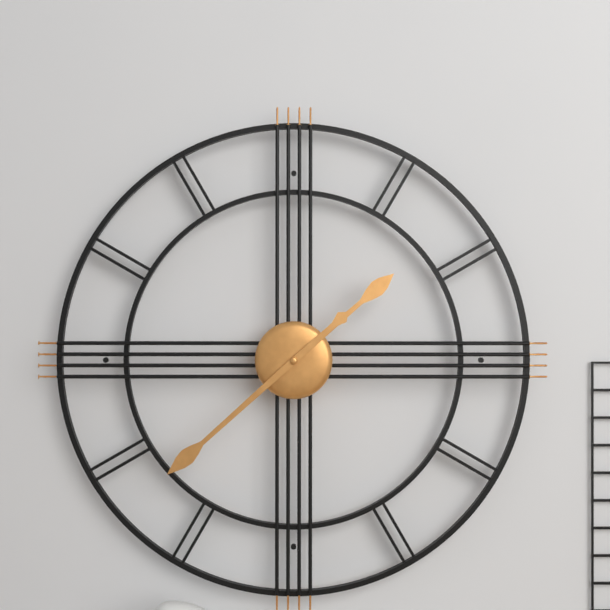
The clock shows h=1 m=38
